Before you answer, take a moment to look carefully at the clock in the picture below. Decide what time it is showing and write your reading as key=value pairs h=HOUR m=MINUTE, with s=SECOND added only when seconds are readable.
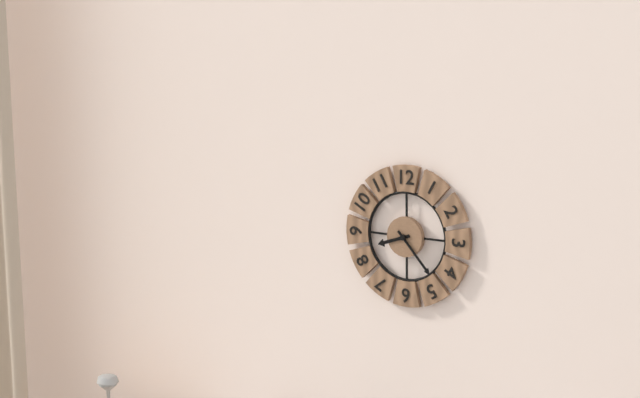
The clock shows h=8 m=23
